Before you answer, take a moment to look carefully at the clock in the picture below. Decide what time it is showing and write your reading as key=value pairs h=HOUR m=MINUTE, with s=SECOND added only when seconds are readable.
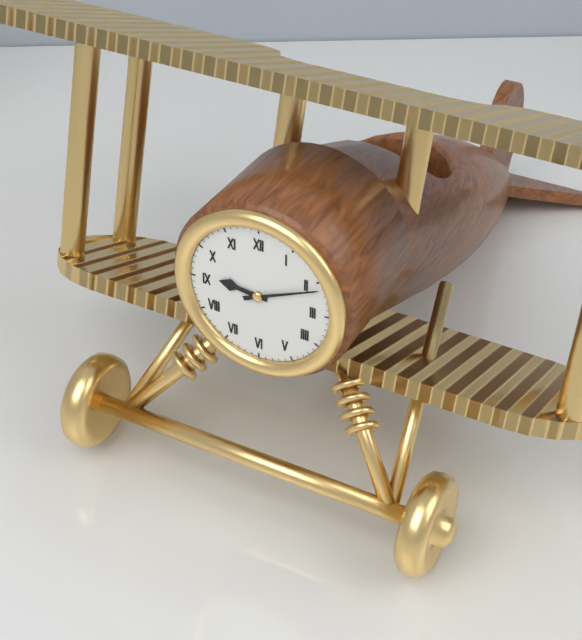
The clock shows h=9 m=11
